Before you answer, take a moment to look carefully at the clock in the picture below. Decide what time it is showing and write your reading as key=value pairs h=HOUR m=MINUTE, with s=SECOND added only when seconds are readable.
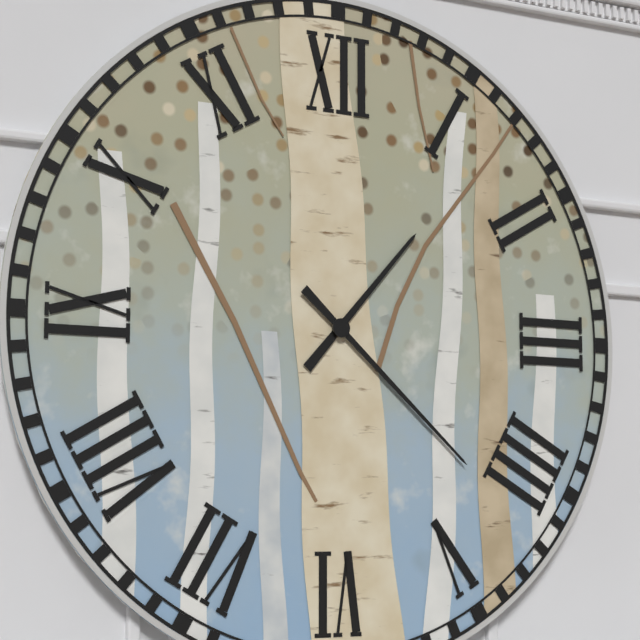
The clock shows h=1 m=22
